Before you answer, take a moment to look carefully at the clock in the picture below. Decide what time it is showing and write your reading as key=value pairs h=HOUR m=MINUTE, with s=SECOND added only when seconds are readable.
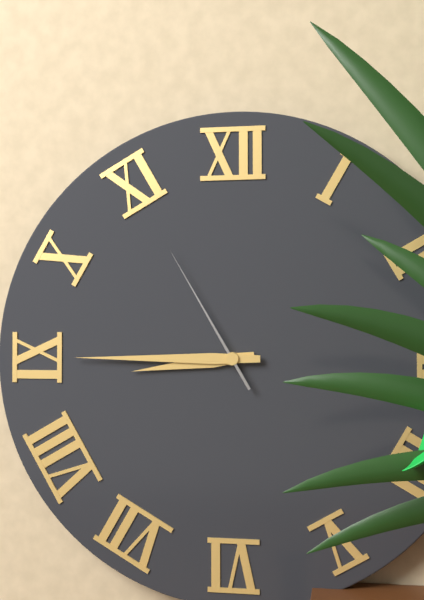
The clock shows h=8 m=45 s=55
